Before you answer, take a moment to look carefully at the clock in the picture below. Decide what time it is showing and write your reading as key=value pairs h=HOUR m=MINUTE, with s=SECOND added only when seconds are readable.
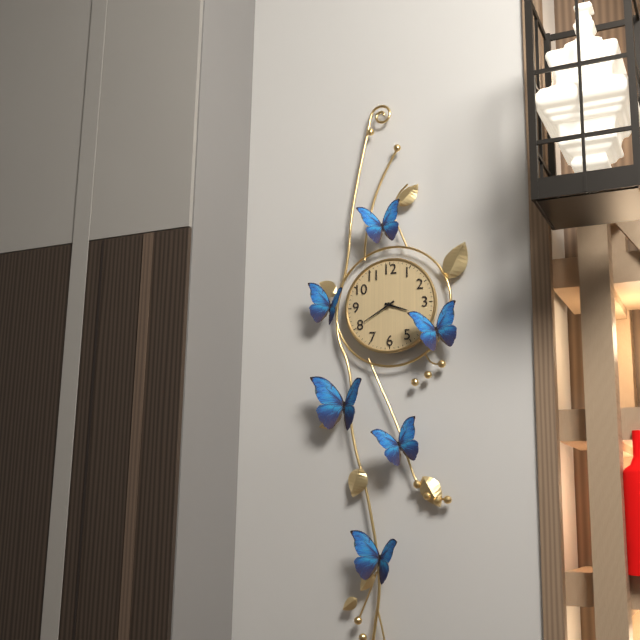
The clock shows h=3 m=40
